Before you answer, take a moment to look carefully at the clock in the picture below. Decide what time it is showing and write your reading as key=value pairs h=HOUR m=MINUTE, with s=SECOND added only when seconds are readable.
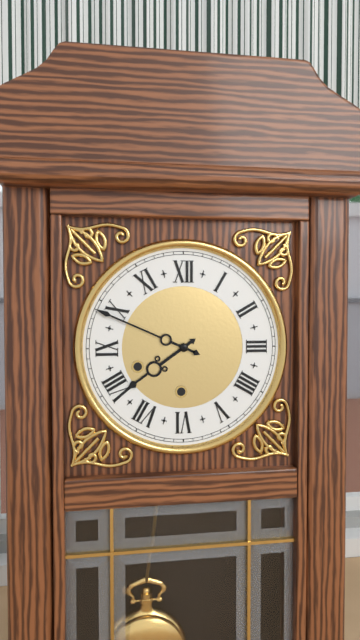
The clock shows h=7 m=49
